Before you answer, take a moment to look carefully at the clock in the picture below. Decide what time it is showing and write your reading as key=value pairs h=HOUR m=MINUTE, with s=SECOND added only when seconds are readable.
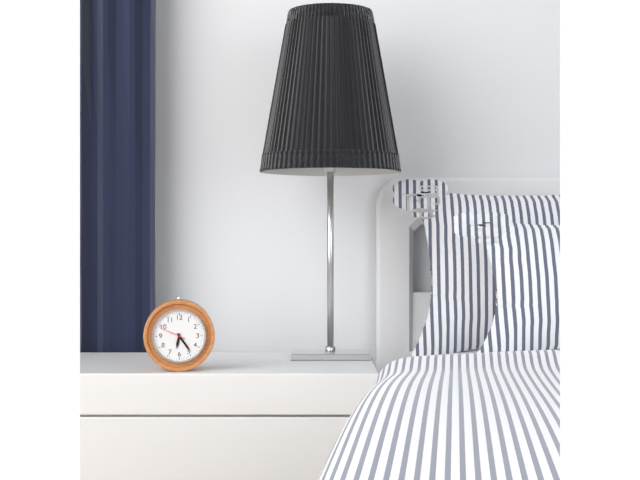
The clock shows h=6 m=24
